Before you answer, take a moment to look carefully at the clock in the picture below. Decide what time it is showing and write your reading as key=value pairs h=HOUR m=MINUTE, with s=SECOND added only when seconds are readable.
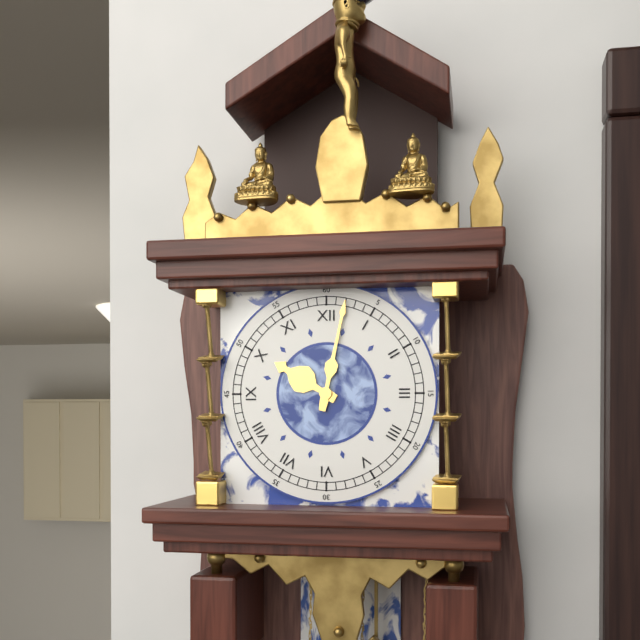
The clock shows h=10 m=2
